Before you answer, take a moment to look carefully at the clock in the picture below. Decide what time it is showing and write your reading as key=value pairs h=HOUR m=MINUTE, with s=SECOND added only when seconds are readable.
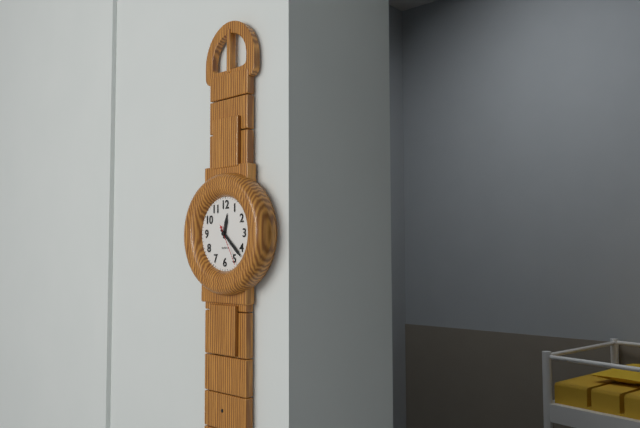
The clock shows h=12 m=22
